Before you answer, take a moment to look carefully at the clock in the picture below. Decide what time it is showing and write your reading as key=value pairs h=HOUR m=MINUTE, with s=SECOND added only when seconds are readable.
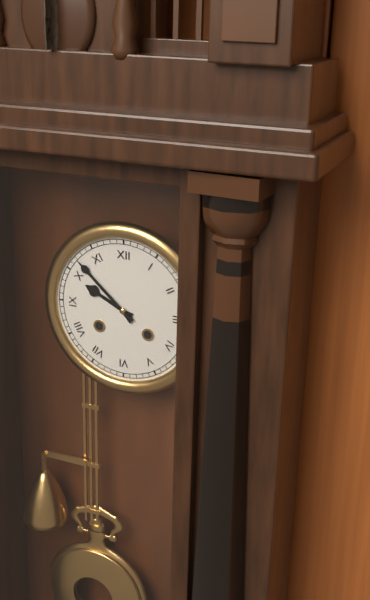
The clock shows h=9 m=52
